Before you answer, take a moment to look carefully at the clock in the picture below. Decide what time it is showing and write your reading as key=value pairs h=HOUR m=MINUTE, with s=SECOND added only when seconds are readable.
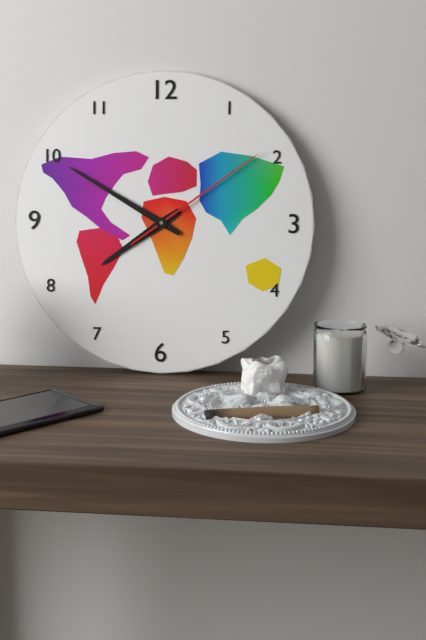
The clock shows h=7 m=50 s=9
